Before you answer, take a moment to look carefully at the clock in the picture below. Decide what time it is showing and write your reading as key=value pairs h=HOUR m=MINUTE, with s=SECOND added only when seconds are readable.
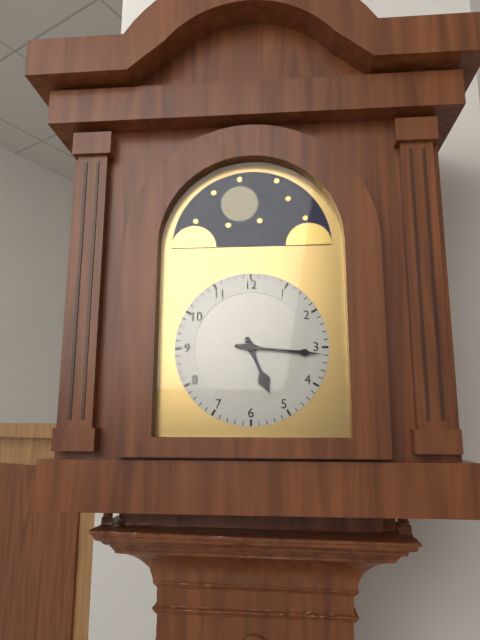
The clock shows h=5 m=16
